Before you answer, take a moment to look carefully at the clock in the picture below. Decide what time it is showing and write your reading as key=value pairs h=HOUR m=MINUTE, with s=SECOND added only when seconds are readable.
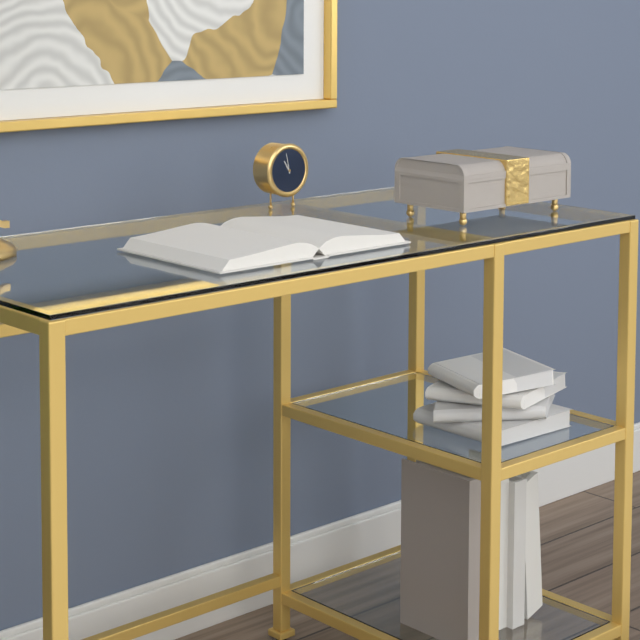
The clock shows h=10 m=58
